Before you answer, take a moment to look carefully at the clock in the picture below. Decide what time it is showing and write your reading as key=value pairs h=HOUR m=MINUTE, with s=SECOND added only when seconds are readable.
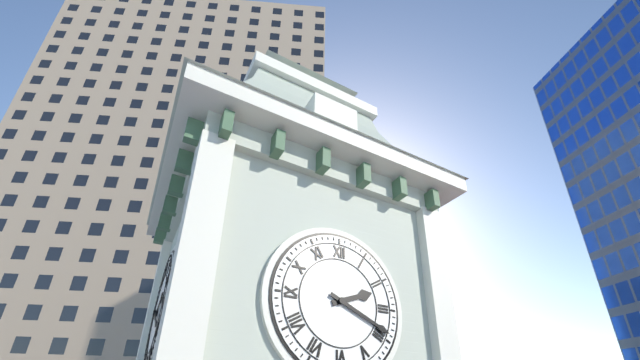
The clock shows h=2 m=19
